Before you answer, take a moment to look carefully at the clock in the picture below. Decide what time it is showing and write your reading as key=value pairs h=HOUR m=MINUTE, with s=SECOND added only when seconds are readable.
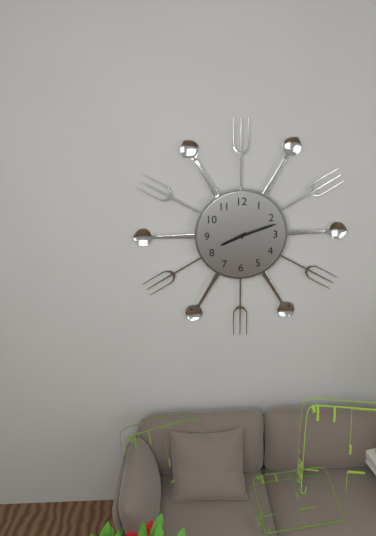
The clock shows h=8 m=12
